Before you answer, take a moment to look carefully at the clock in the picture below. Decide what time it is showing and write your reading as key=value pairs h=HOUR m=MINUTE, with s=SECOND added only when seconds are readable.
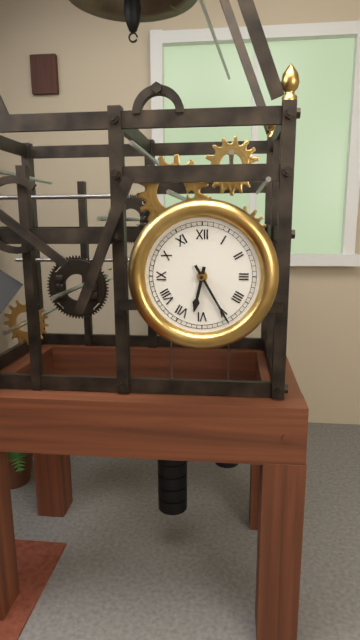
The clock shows h=6 m=25
